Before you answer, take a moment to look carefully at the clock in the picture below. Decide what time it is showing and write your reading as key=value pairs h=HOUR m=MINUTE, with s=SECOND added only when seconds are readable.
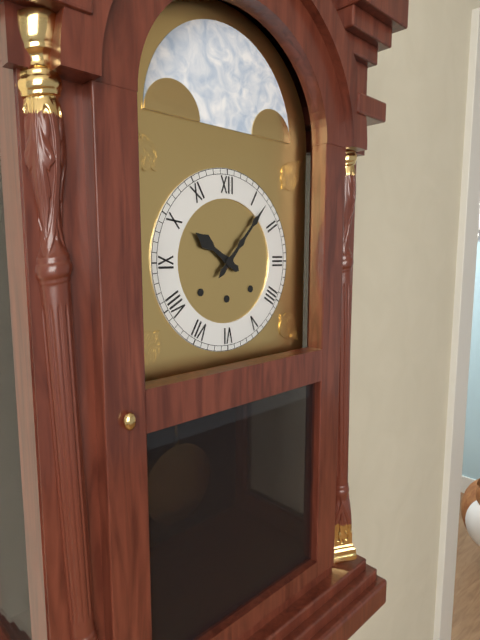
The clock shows h=10 m=7
